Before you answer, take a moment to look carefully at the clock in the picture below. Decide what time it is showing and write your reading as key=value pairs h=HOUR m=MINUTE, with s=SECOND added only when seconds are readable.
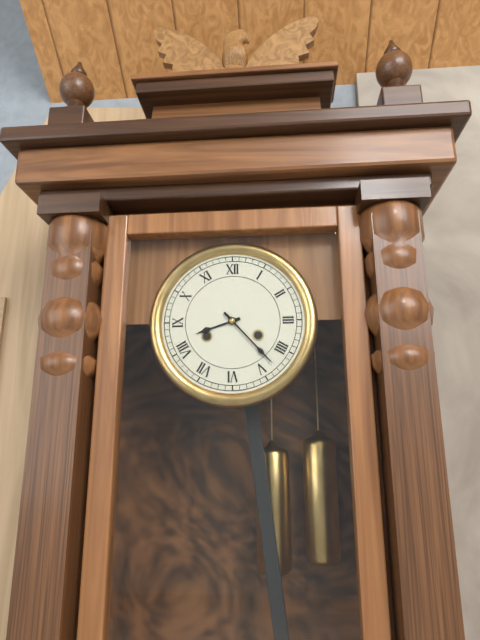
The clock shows h=8 m=23
